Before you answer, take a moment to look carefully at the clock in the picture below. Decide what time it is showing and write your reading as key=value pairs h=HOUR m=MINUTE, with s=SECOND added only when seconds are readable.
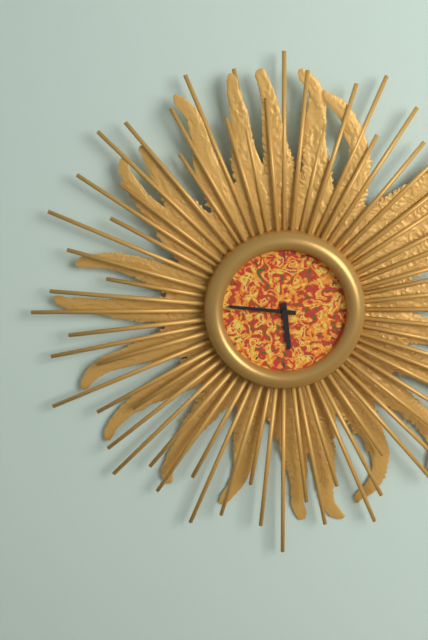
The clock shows h=5 m=46
